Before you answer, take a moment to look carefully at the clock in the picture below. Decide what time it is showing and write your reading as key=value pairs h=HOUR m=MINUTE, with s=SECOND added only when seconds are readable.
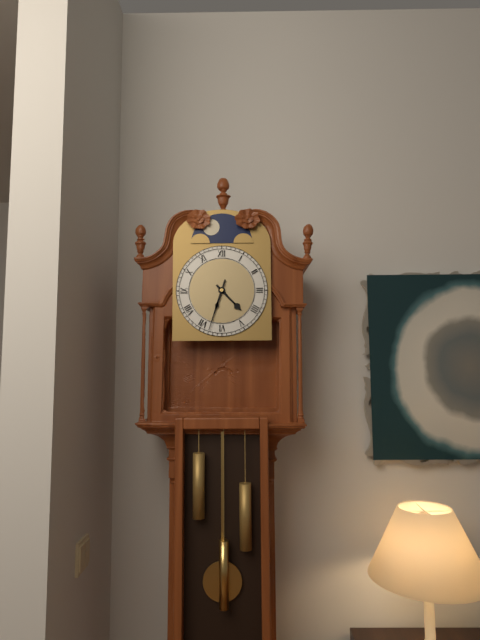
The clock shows h=4 m=33
